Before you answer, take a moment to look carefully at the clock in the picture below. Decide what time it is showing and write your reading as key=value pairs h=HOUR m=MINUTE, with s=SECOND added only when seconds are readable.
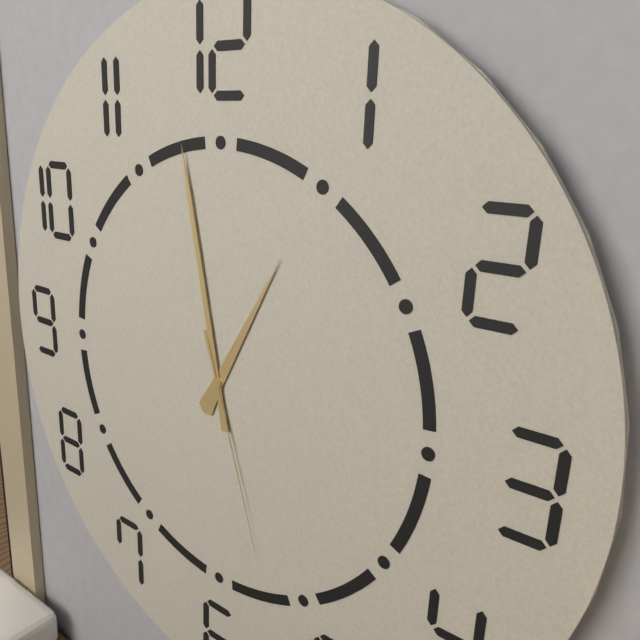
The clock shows h=12 m=58 s=27
